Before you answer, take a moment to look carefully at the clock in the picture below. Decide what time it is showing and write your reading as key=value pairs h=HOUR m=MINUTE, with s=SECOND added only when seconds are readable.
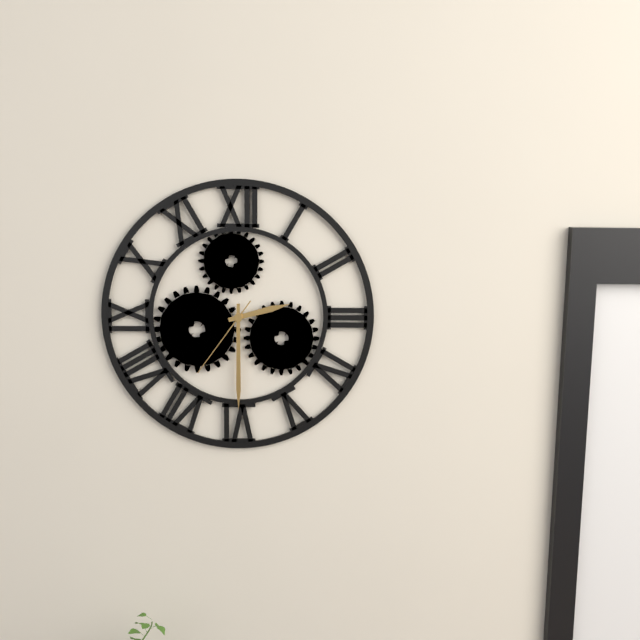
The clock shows h=2 m=30 s=36
